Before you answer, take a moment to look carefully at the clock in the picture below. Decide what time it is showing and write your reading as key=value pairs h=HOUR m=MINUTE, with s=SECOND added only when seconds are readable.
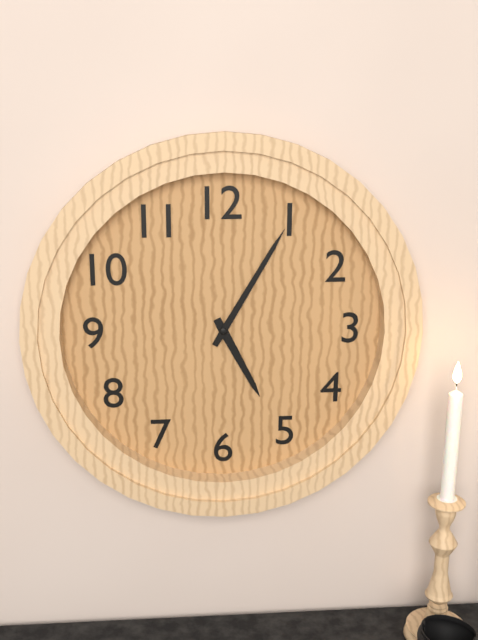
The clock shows h=5 m=5
